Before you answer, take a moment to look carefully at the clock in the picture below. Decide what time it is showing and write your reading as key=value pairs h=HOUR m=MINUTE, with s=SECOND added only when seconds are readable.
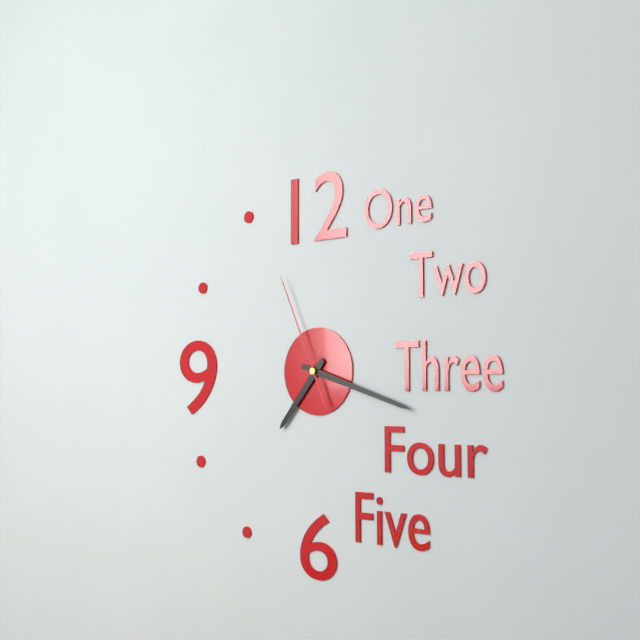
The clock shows h=7 m=18 s=56
